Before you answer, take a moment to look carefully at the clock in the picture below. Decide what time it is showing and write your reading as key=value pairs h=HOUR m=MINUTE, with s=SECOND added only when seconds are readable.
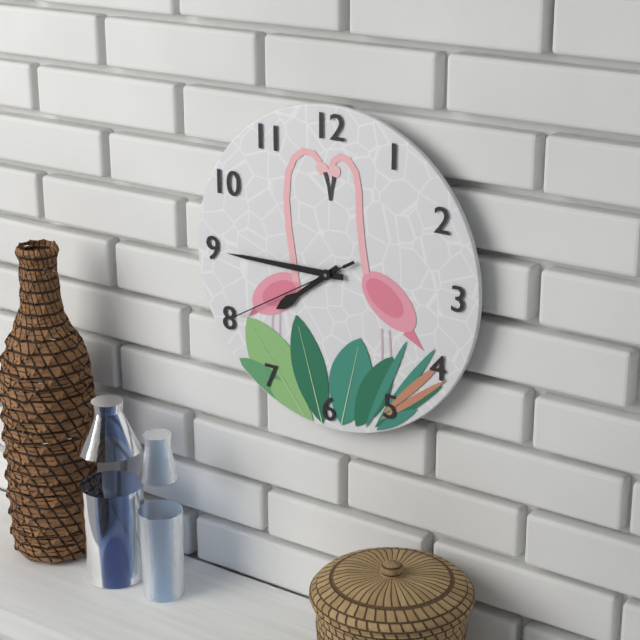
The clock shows h=7 m=45 s=40
